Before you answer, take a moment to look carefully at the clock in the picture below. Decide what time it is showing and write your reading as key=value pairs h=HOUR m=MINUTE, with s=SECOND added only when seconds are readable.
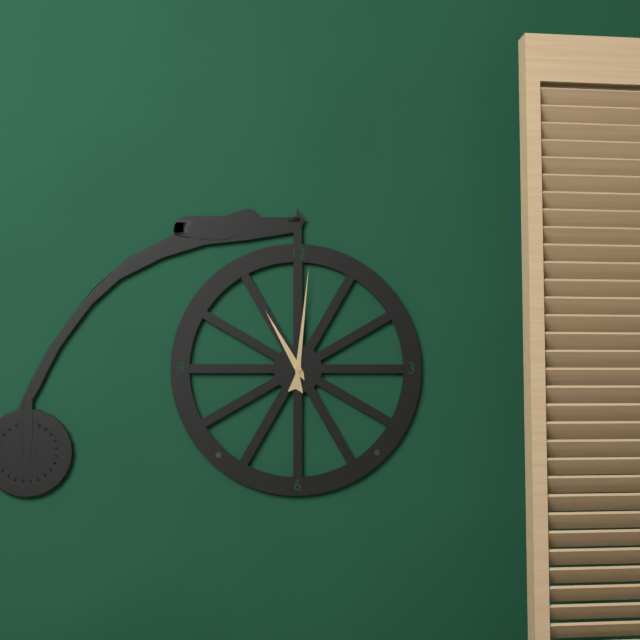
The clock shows h=11 m=1
